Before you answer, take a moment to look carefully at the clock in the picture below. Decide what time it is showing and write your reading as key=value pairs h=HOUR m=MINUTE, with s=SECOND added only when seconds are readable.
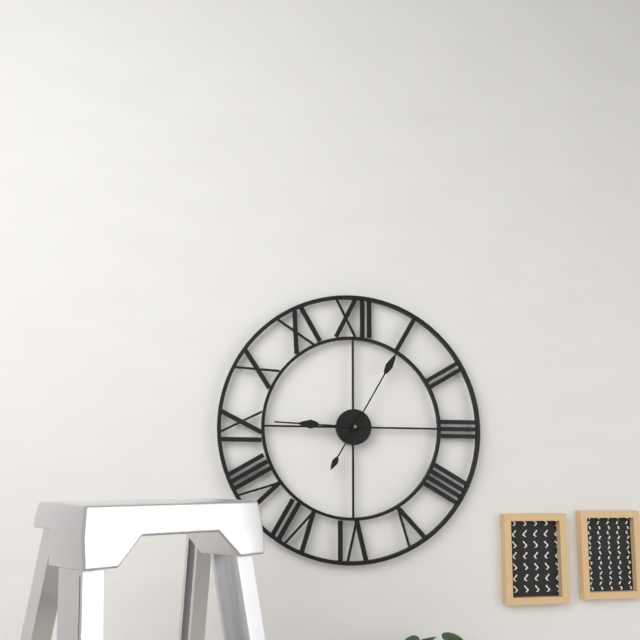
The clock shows h=9 m=5
